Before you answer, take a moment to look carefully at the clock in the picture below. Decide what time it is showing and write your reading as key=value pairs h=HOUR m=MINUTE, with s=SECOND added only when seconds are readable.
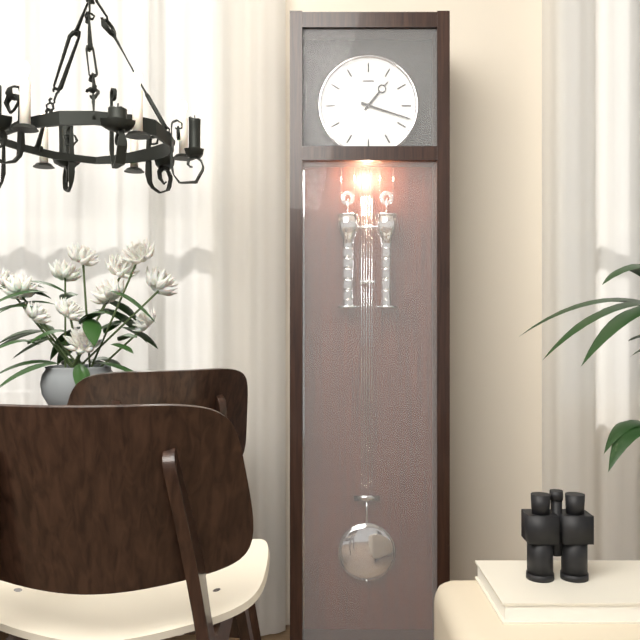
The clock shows h=1 m=18
